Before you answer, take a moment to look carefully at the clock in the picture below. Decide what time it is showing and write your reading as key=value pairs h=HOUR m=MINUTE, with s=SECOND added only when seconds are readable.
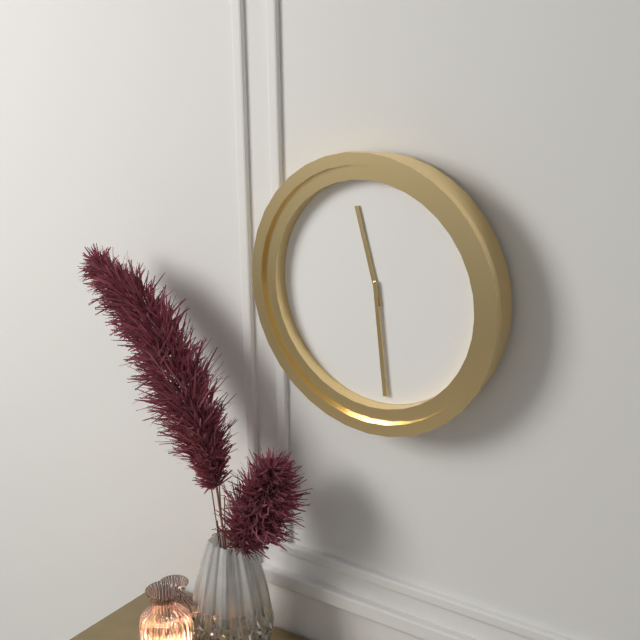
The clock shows h=11 m=29
